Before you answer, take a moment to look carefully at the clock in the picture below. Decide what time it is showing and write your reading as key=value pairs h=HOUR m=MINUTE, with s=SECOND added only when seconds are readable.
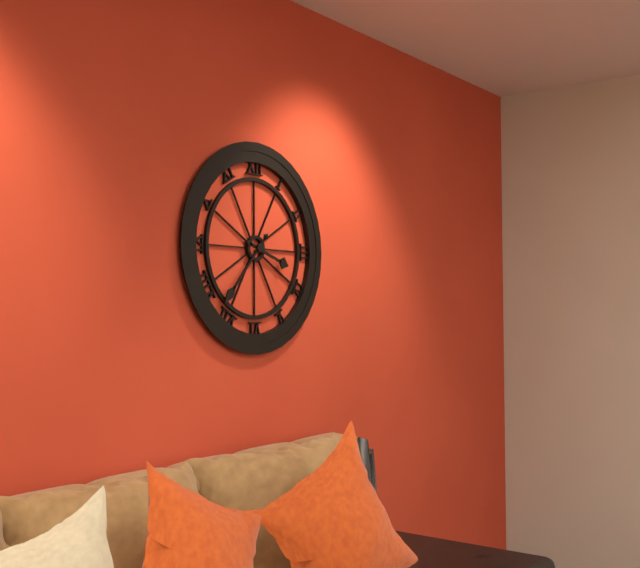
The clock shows h=3 m=37
